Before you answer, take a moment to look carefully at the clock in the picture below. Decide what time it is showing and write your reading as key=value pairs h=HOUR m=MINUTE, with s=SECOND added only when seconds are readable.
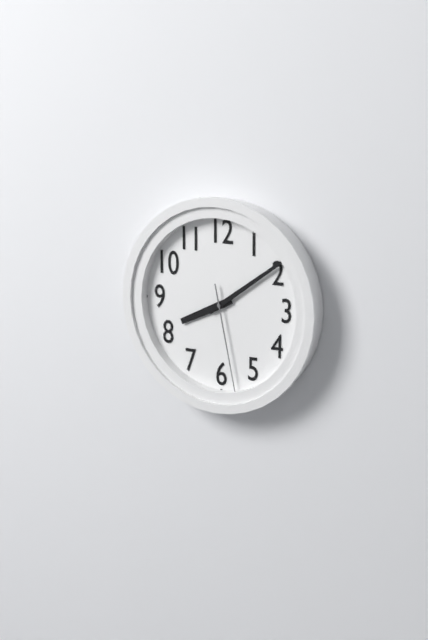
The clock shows h=8 m=9 s=28
